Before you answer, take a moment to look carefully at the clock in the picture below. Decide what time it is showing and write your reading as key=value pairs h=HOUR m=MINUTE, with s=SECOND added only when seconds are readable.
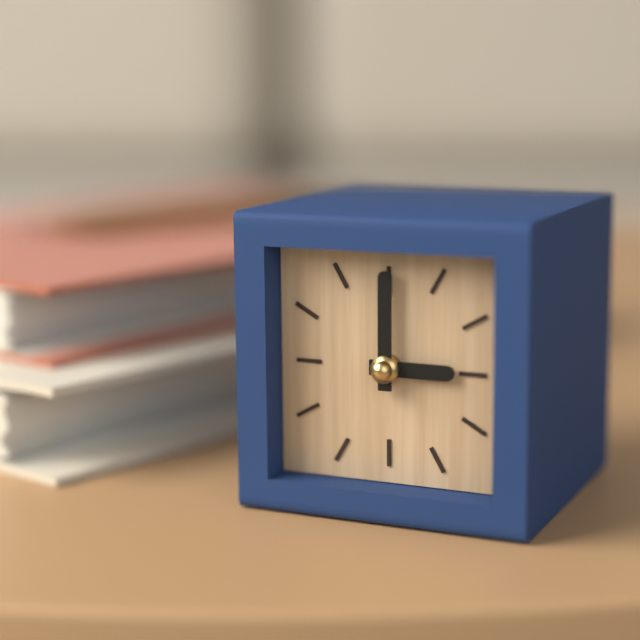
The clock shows h=3 m=0
